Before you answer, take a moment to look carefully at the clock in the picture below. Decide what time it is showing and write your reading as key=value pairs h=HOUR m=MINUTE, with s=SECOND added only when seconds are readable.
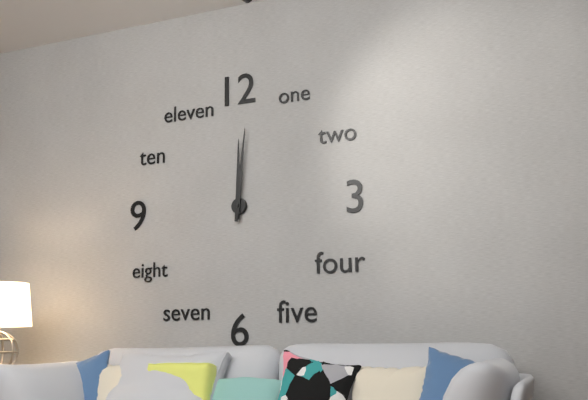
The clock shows h=12 m=1
